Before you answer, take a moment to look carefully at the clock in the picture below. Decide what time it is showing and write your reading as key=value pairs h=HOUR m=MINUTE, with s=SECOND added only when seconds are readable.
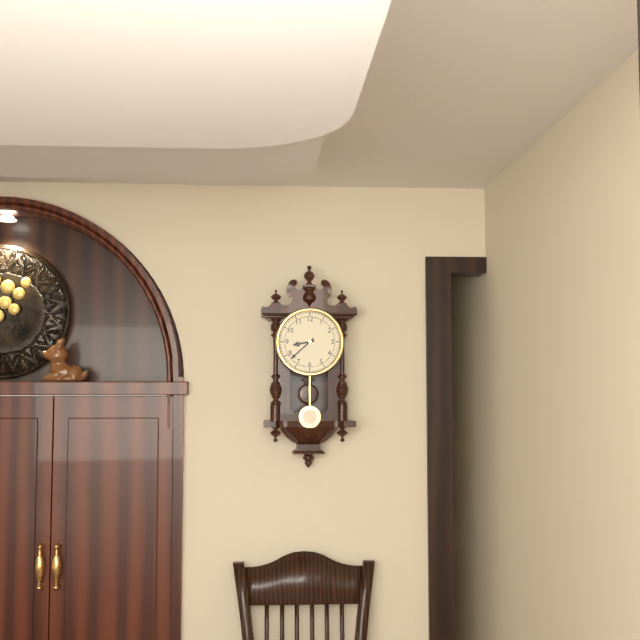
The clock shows h=8 m=38
